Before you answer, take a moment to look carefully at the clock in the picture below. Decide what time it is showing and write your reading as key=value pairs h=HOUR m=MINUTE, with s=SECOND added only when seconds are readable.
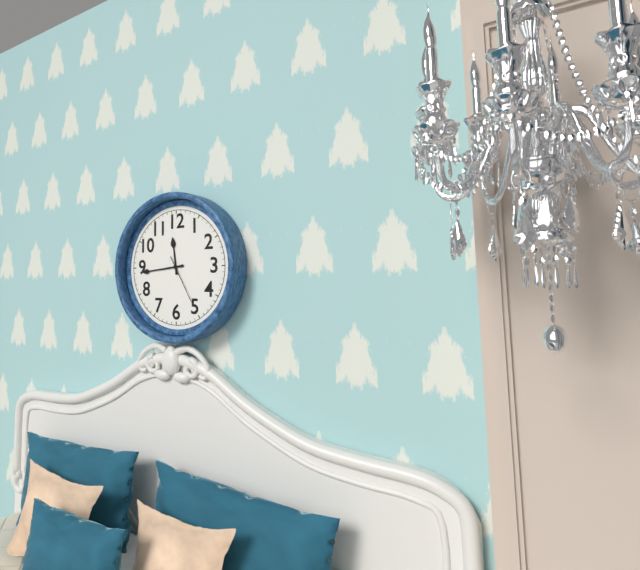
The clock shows h=11 m=44 s=25
